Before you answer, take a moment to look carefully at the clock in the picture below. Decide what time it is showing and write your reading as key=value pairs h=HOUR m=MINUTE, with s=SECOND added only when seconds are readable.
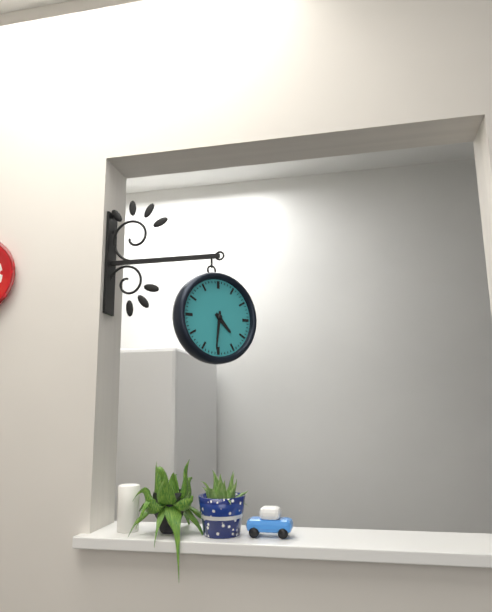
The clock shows h=4 m=31
